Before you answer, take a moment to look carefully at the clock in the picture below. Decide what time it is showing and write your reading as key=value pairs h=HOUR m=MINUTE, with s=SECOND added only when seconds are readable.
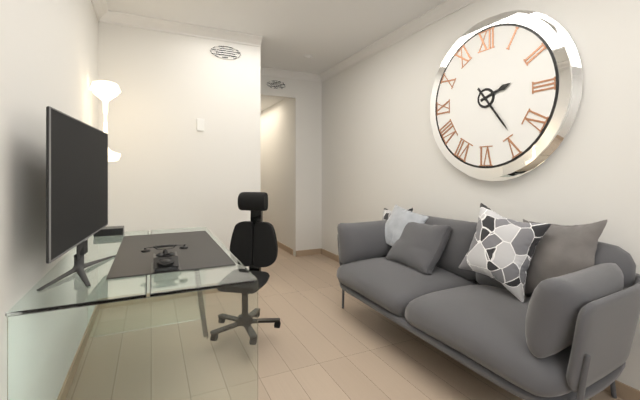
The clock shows h=2 m=24
